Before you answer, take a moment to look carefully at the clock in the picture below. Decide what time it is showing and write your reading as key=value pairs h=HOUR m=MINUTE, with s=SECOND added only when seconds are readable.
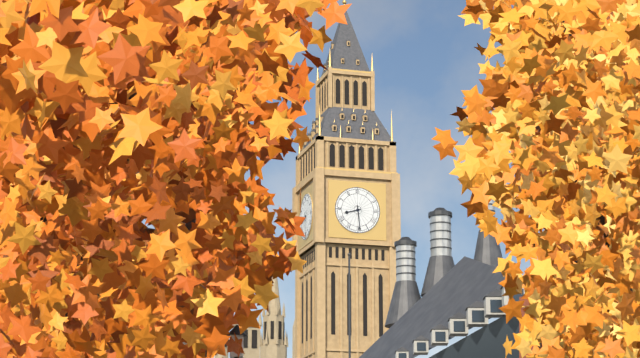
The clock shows h=8 m=29
